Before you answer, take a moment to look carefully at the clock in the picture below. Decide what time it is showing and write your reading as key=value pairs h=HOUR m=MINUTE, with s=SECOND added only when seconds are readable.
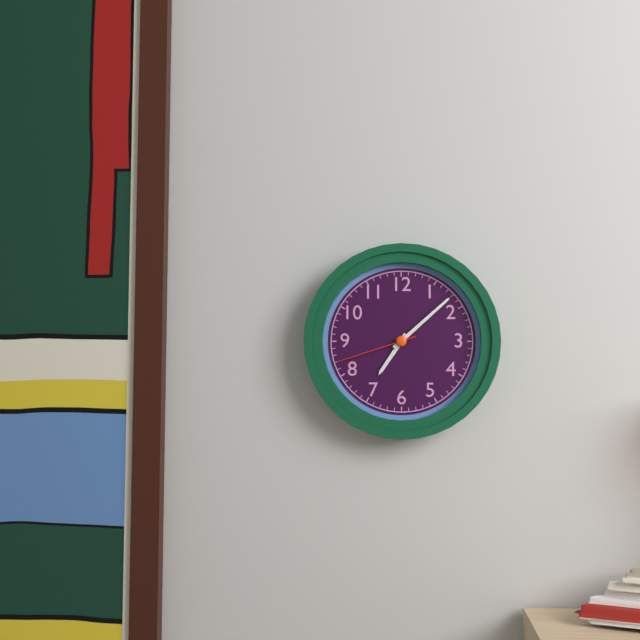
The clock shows h=7 m=8 s=42
